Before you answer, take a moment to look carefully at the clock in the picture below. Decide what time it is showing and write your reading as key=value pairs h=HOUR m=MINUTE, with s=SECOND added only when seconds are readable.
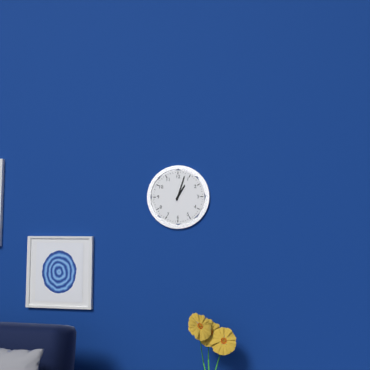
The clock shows h=1 m=3
